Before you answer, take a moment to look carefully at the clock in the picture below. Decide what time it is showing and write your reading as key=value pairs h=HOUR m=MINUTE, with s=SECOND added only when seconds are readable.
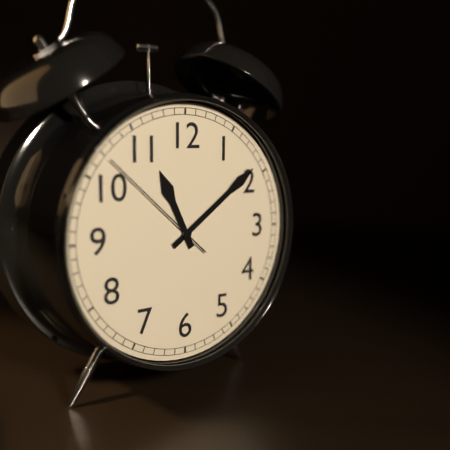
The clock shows h=11 m=9 s=52
